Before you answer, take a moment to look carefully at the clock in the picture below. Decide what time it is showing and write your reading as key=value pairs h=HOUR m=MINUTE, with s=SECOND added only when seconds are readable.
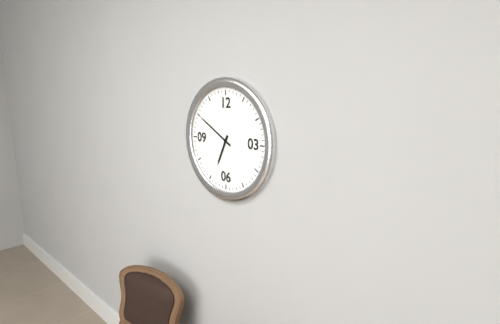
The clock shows h=6 m=50
